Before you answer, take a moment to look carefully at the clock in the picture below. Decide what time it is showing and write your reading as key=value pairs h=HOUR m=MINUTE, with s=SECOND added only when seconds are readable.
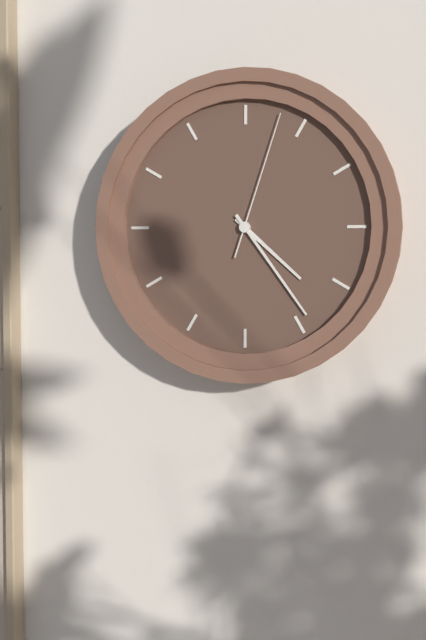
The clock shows h=4 m=24 s=3
